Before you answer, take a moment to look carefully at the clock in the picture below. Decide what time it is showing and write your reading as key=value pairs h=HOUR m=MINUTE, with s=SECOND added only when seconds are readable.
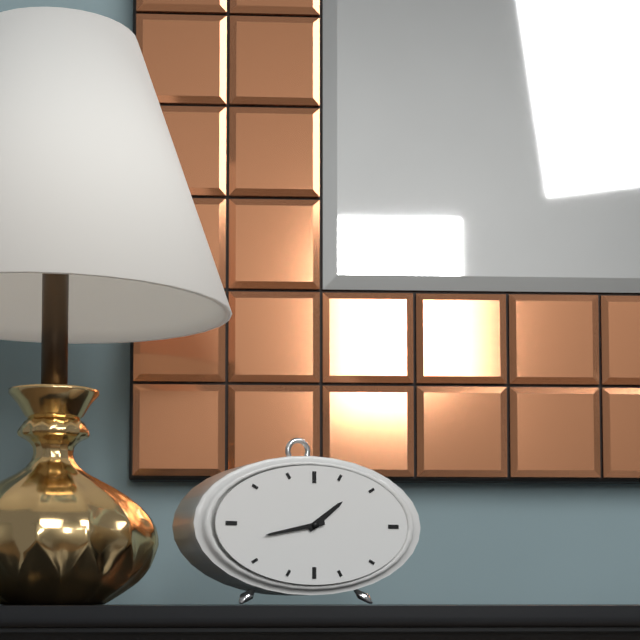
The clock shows h=1 m=43
